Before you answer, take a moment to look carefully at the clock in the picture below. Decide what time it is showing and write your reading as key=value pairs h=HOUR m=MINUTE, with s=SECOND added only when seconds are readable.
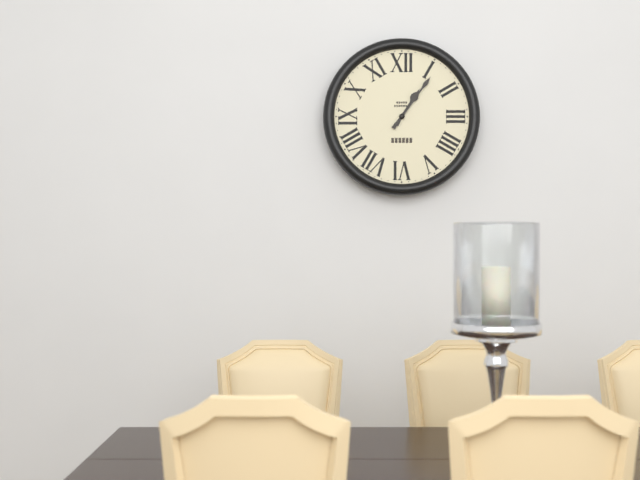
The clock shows h=1 m=6
